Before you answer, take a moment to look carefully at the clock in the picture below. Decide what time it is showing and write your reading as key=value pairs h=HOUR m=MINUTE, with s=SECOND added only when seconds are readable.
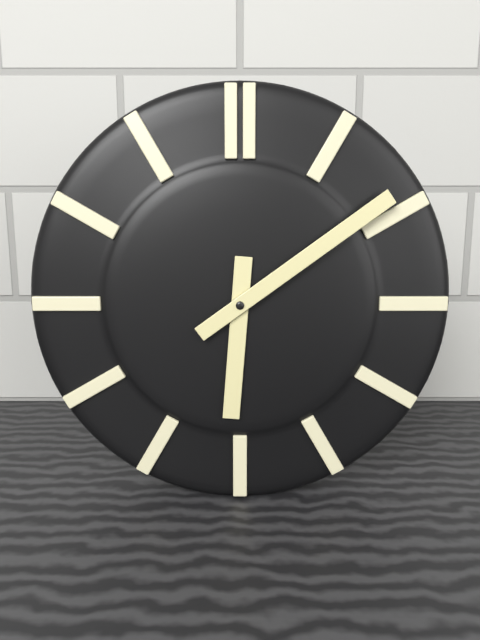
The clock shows h=6 m=9
